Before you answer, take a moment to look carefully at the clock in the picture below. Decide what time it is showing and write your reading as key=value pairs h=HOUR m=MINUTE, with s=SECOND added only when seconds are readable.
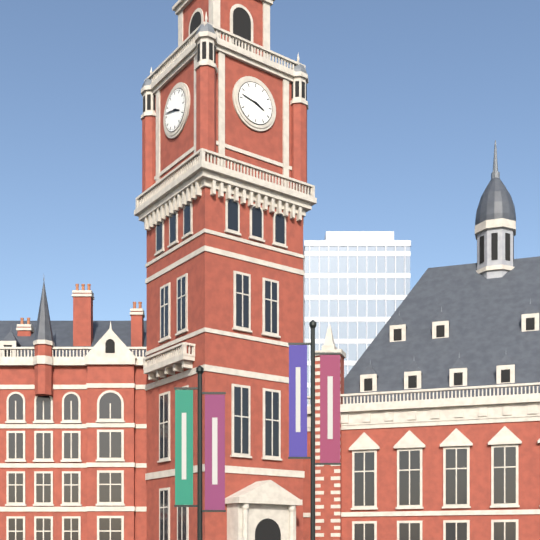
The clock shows h=3 m=47
